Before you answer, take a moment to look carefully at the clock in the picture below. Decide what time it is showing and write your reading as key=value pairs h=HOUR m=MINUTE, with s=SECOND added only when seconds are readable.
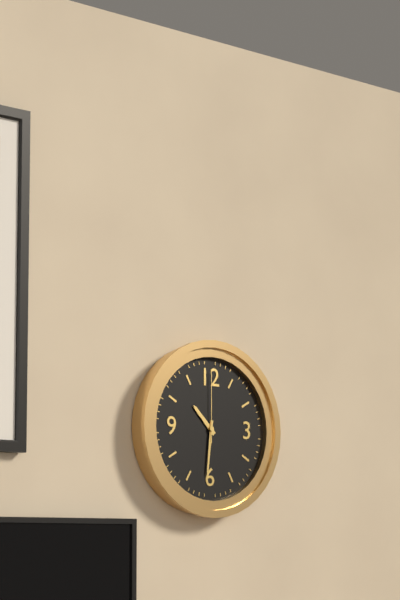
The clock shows h=10 m=31 s=0
